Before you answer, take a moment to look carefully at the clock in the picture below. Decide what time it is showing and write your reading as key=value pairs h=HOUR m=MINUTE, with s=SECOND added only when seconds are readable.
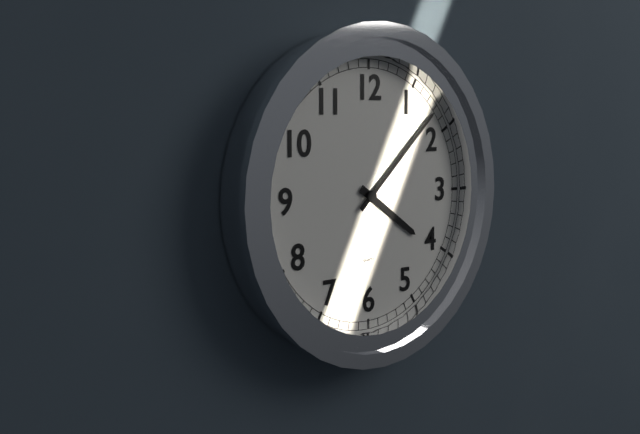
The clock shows h=4 m=8
